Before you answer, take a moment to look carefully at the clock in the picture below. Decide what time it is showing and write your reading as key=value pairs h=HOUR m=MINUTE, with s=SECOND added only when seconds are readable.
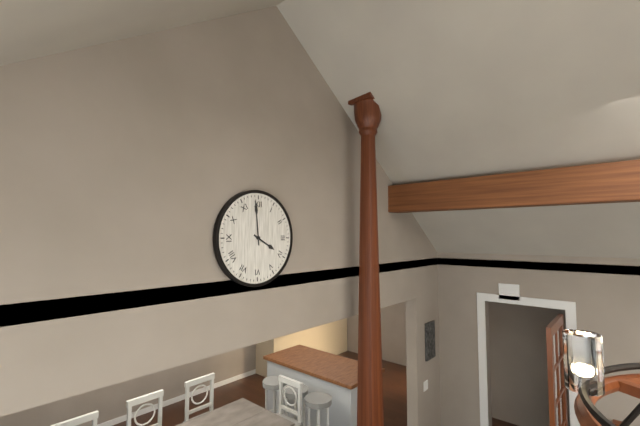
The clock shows h=3 m=59
